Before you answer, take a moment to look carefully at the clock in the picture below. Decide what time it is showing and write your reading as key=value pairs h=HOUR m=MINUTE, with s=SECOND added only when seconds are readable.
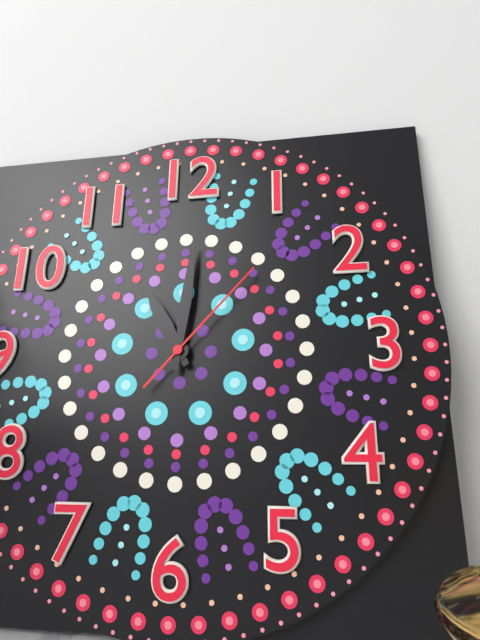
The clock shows h=11 m=1 s=7
